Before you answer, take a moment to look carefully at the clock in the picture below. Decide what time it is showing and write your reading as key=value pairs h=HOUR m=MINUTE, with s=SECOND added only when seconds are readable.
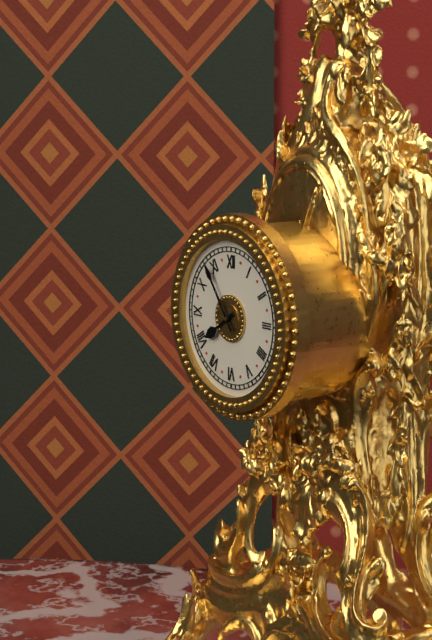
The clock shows h=7 m=54
